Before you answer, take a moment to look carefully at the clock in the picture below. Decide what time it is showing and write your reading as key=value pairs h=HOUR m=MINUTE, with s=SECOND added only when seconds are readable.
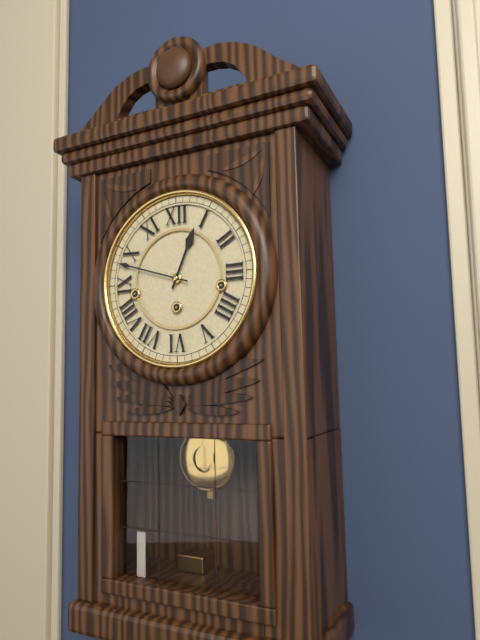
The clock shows h=12 m=48
